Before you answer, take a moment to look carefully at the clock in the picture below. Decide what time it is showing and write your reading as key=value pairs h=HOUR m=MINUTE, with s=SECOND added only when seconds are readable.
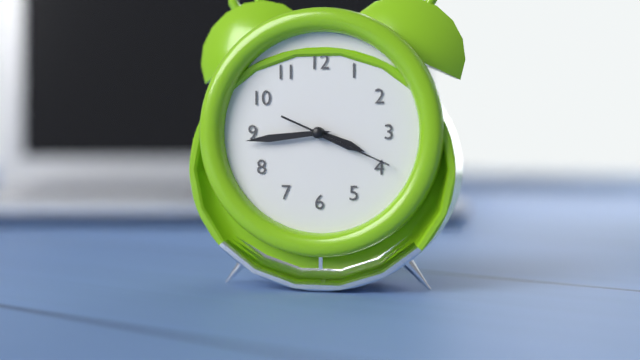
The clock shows h=3 m=44 s=19
